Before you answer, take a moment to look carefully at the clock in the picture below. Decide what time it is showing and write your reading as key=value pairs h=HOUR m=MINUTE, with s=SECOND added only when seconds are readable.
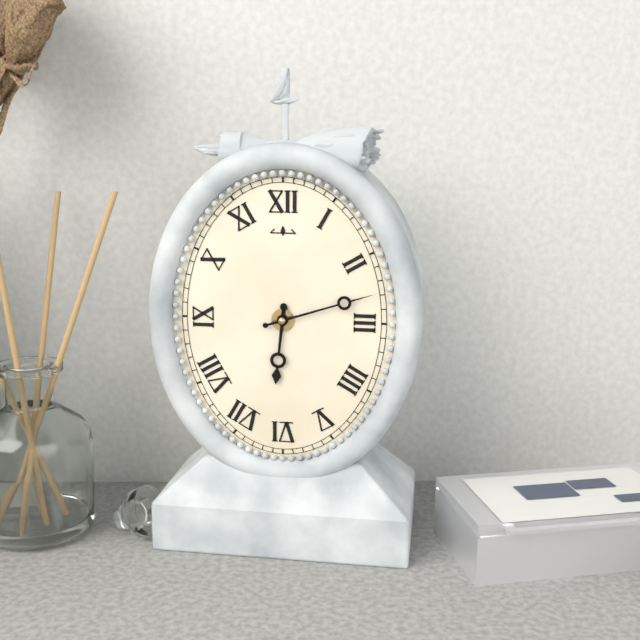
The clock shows h=6 m=12
